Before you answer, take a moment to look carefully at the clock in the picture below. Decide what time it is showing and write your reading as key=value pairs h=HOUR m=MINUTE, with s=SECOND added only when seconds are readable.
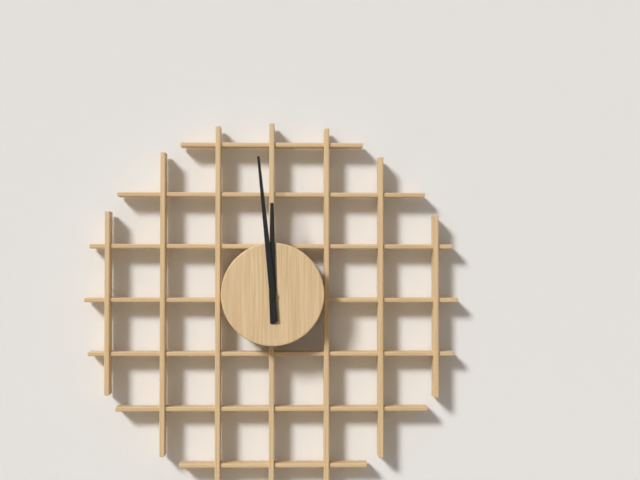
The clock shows h=11 m=59
